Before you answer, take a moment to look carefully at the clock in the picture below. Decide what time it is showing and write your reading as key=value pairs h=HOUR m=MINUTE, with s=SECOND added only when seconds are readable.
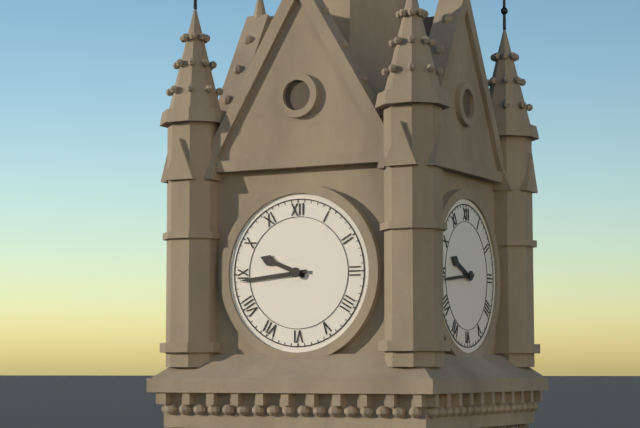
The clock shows h=9 m=44
